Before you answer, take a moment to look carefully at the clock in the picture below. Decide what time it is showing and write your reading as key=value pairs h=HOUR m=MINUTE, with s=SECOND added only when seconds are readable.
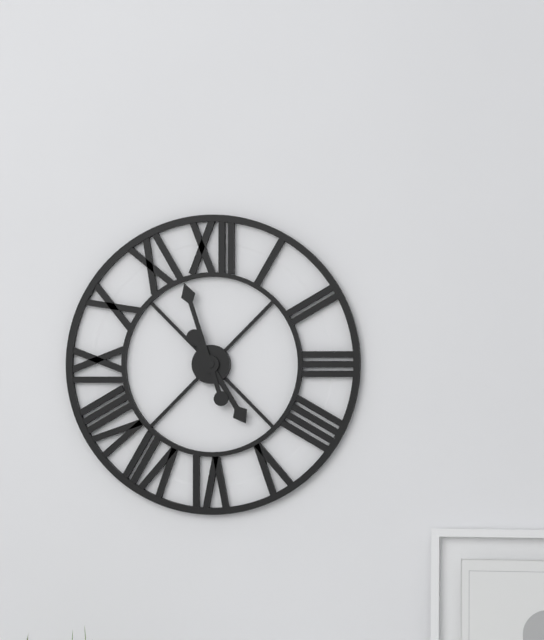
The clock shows h=4 m=57
